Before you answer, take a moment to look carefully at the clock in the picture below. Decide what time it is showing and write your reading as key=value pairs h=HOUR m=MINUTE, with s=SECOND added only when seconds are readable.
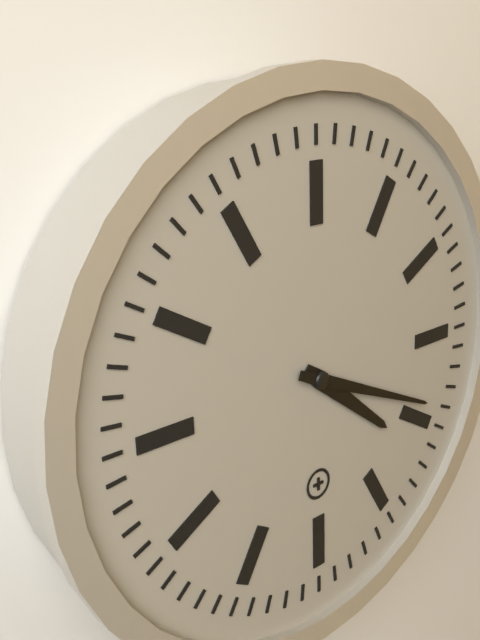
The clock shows h=4 m=19
